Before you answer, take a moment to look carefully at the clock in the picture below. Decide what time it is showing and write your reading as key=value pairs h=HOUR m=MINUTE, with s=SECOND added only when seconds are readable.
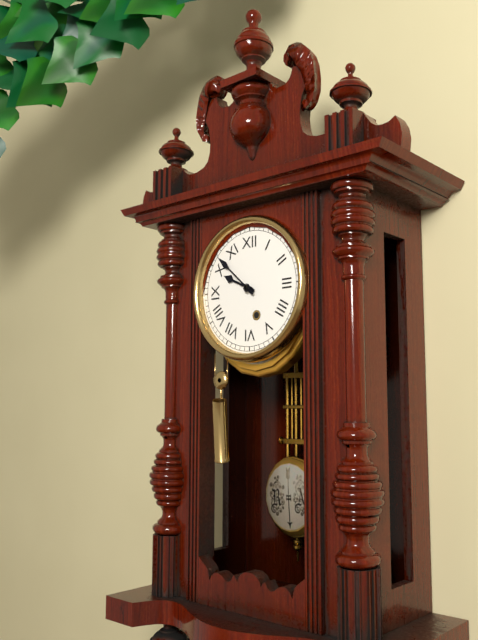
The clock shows h=9 m=52
